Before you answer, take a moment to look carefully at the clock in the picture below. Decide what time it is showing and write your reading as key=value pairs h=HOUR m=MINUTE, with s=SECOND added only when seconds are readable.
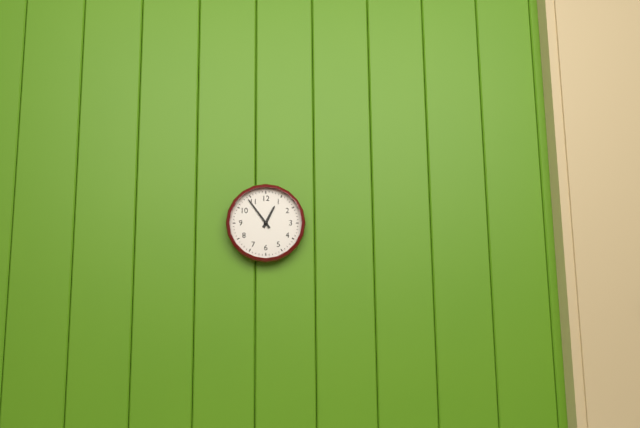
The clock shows h=12 m=54
